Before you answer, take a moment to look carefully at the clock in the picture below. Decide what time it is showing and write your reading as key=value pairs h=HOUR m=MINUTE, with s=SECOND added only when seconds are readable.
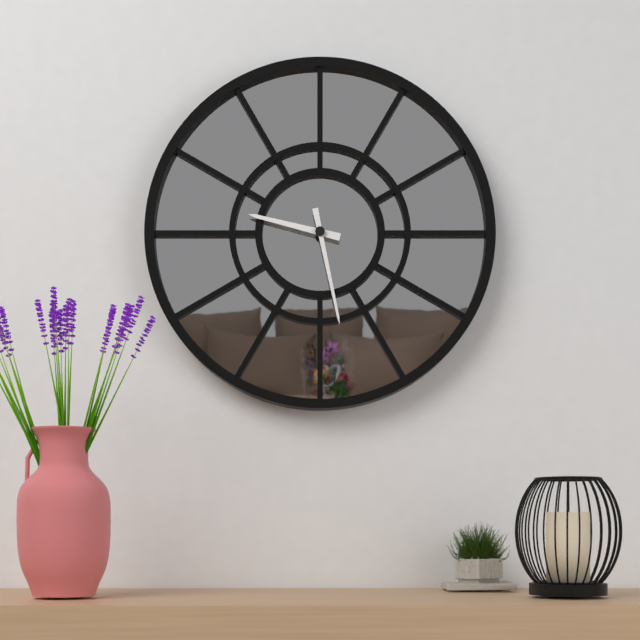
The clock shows h=9 m=28
